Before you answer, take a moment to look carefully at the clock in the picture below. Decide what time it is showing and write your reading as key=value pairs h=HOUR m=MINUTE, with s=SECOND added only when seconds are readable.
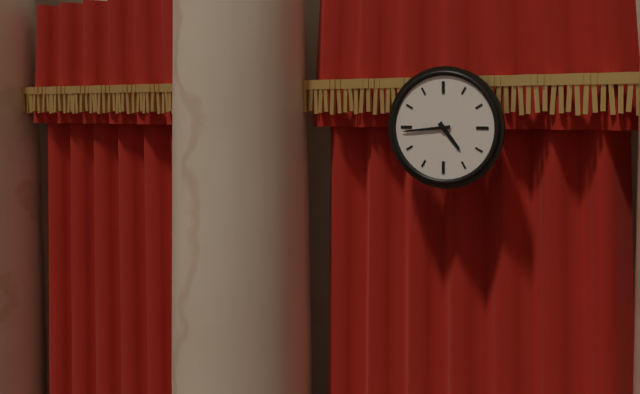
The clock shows h=4 m=44
